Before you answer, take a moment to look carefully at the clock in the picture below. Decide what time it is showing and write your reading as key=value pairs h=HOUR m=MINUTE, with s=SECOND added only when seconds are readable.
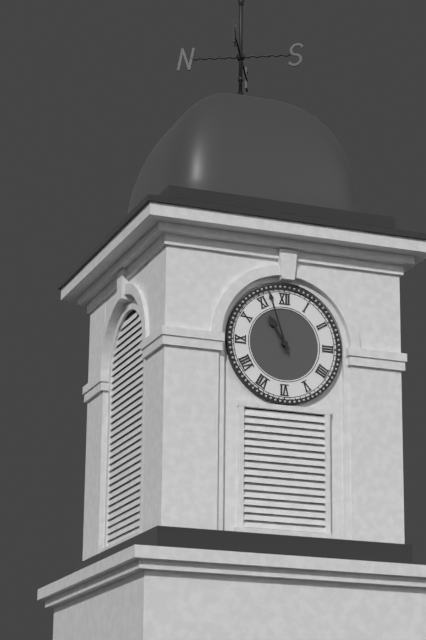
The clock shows h=10 m=57
